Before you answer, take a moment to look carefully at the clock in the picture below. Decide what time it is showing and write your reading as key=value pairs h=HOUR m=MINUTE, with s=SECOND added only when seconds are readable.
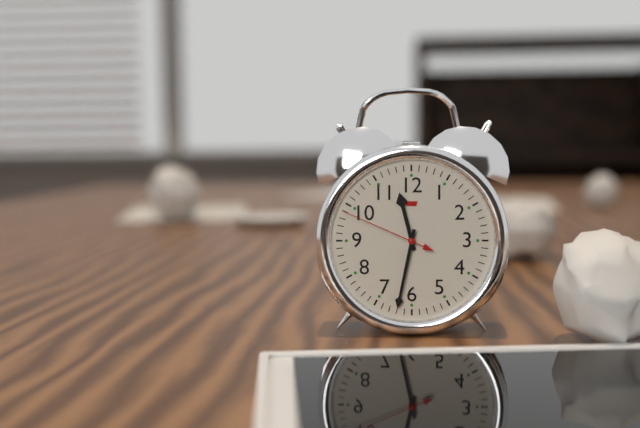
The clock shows h=11 m=32 s=49
